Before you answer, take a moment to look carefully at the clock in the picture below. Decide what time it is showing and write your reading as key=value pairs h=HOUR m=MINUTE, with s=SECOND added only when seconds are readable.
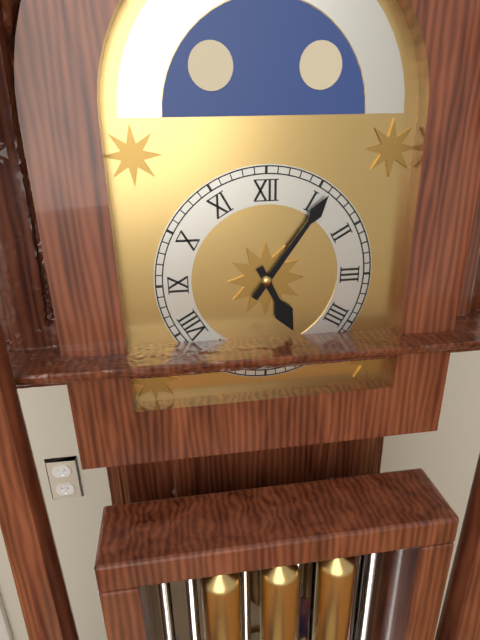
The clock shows h=5 m=6
